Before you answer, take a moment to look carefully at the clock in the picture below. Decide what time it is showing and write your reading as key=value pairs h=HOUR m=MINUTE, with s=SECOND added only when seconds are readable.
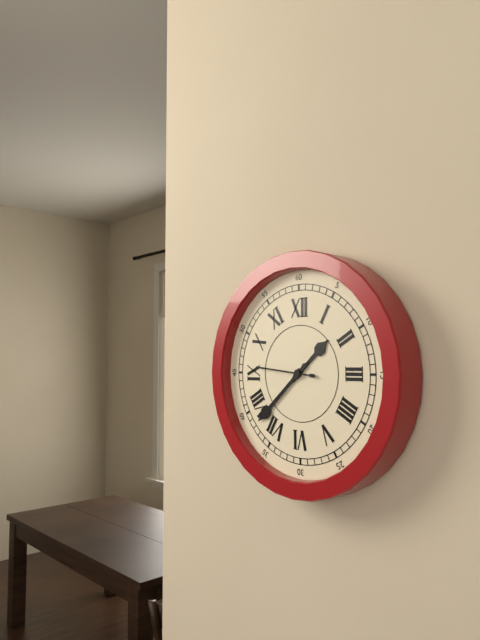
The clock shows h=1 m=38 s=46
